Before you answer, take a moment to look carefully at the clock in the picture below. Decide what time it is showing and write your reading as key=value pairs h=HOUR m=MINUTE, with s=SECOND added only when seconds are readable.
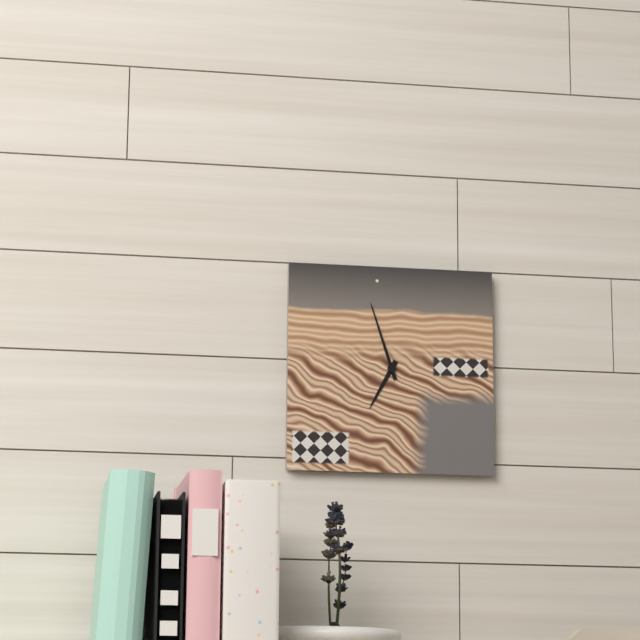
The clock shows h=6 m=57
